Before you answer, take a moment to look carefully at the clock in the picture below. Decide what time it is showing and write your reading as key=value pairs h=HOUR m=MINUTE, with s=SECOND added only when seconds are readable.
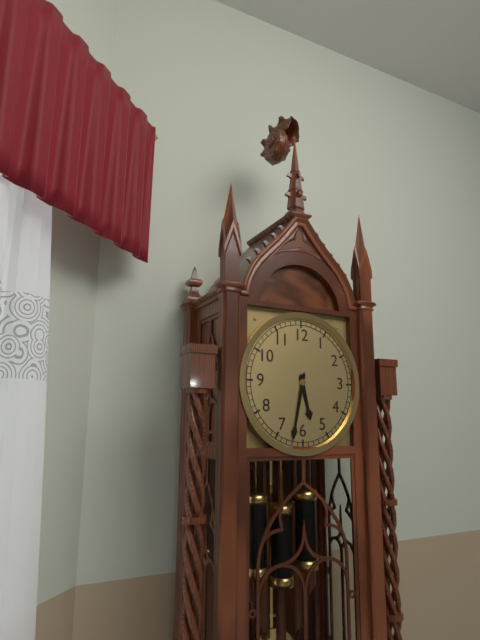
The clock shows h=5 m=32
